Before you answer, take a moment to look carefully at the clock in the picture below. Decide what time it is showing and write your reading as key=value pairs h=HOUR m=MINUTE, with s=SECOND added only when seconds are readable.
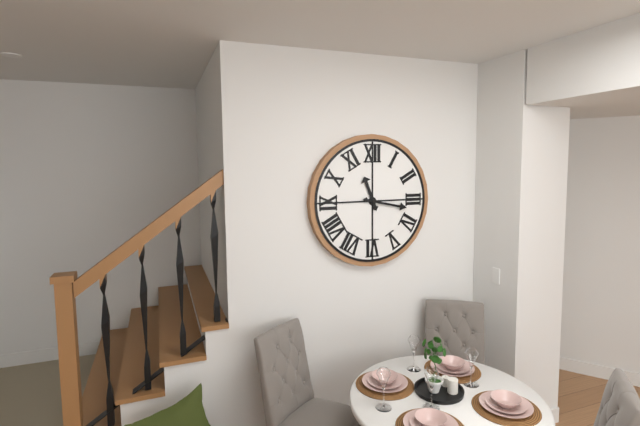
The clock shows h=11 m=17
